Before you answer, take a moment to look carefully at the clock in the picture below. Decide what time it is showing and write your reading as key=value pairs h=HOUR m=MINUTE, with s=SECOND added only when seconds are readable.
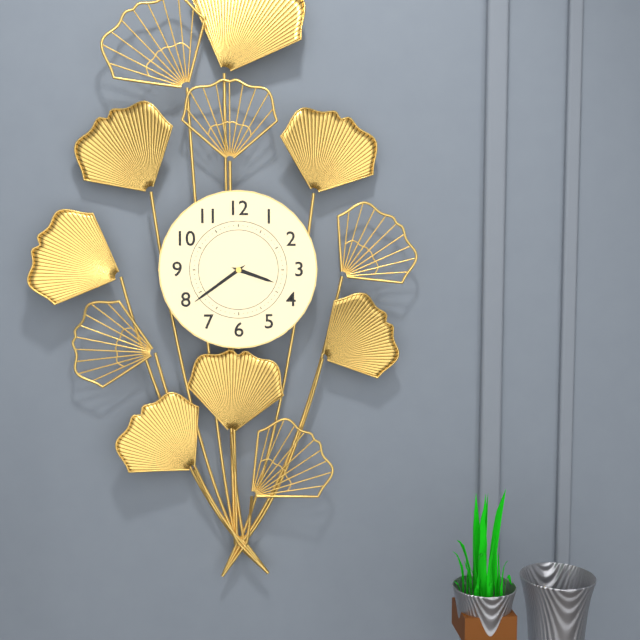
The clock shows h=3 m=39
